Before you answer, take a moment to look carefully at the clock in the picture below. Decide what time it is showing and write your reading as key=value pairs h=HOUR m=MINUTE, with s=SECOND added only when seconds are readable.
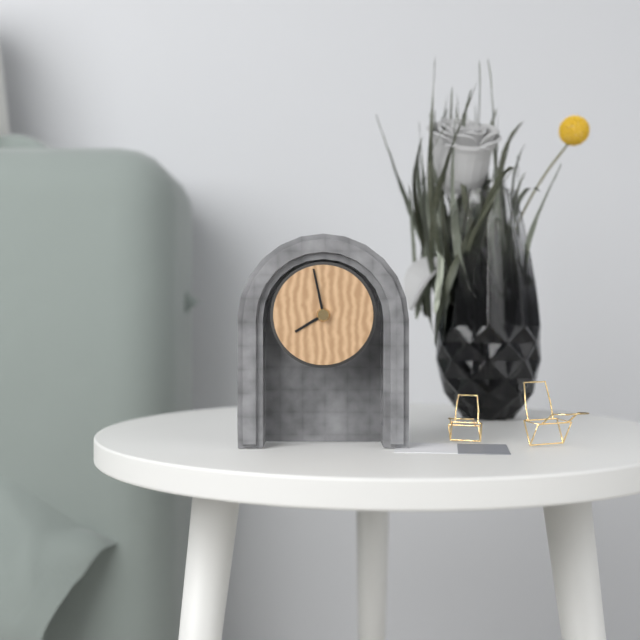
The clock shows h=7 m=58
